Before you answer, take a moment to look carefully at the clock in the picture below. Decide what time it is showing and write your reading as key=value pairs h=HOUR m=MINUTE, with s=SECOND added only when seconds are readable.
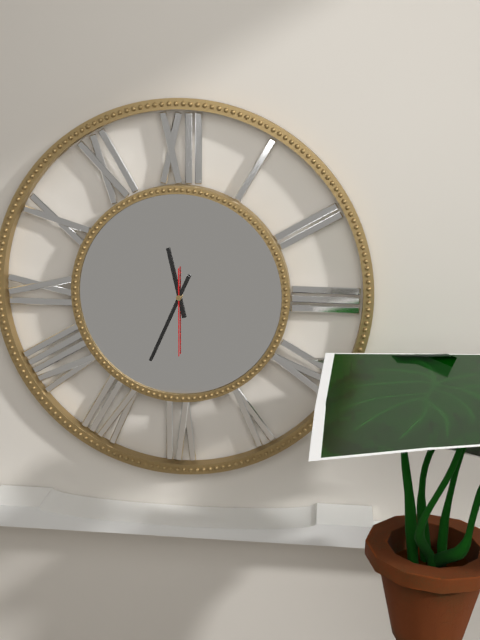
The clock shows h=11 m=34 s=30
